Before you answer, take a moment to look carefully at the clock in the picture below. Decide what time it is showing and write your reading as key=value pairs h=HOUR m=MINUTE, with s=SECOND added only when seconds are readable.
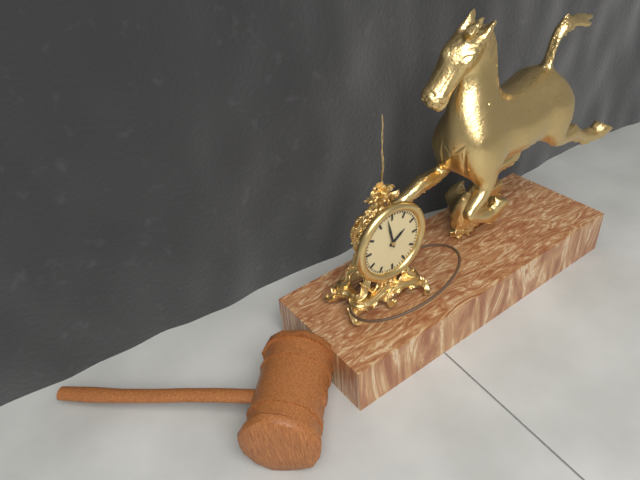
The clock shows h=1 m=58
